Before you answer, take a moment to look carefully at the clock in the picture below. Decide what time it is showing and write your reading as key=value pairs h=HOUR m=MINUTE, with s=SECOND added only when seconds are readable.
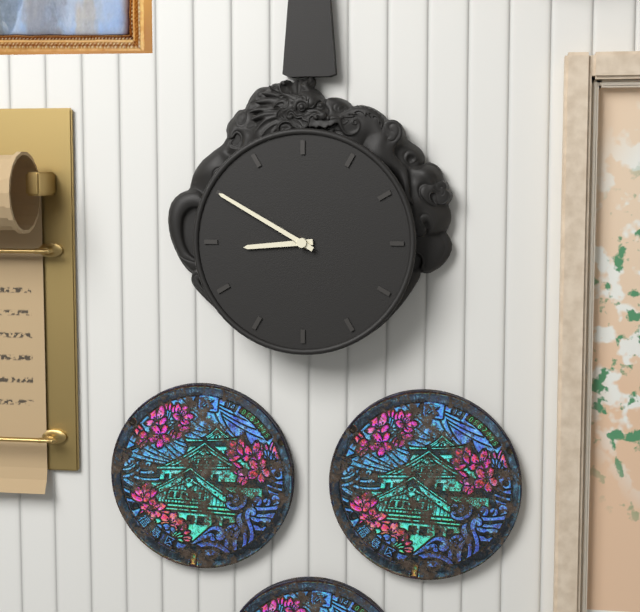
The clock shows h=8 m=50
